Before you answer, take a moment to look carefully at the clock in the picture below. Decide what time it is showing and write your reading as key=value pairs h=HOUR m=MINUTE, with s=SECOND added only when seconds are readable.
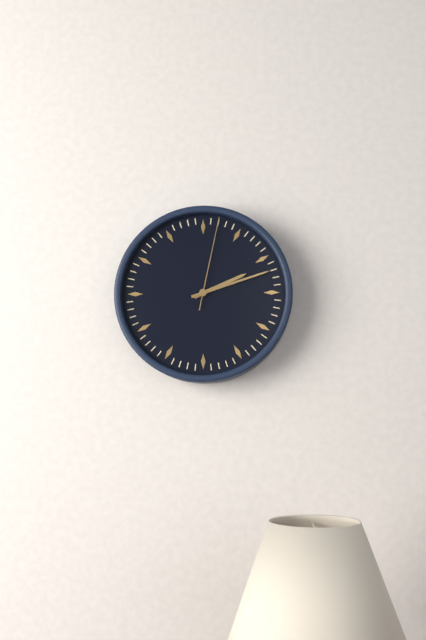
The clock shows h=2 m=12 s=2
